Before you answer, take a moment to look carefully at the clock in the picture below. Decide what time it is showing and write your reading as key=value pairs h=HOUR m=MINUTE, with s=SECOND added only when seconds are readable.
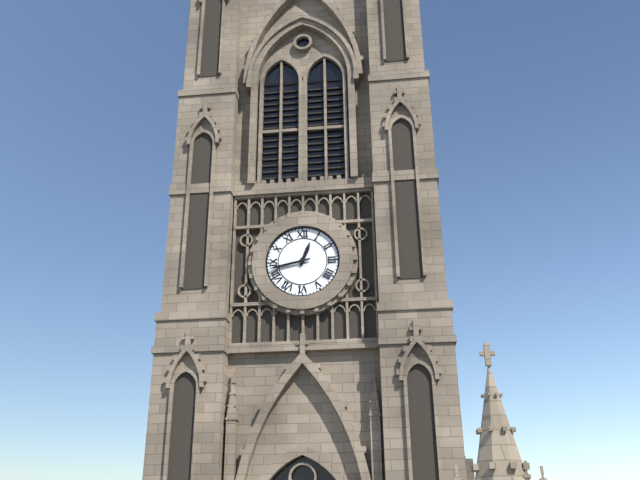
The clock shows h=12 m=43
